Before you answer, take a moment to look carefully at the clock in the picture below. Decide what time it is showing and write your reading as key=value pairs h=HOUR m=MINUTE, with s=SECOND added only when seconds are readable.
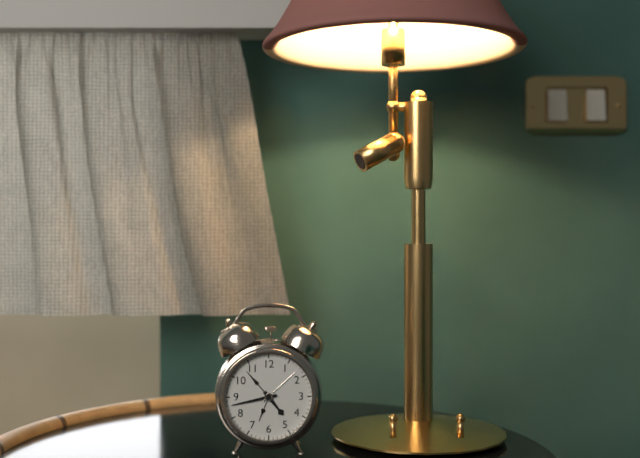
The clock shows h=4 m=43
